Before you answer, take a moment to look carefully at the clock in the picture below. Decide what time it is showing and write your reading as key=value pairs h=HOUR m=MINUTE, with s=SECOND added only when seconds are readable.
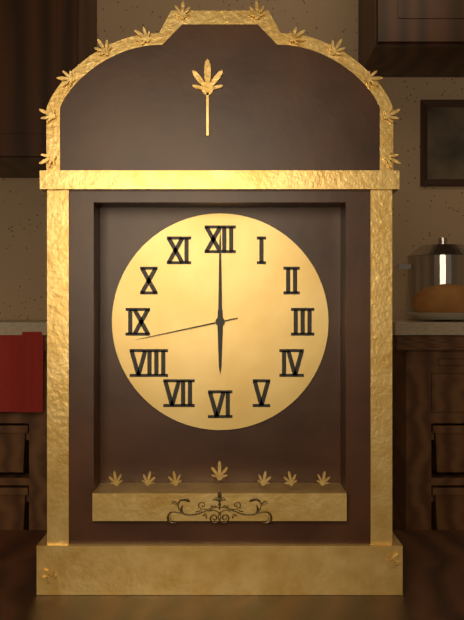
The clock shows h=6 m=0 s=43
